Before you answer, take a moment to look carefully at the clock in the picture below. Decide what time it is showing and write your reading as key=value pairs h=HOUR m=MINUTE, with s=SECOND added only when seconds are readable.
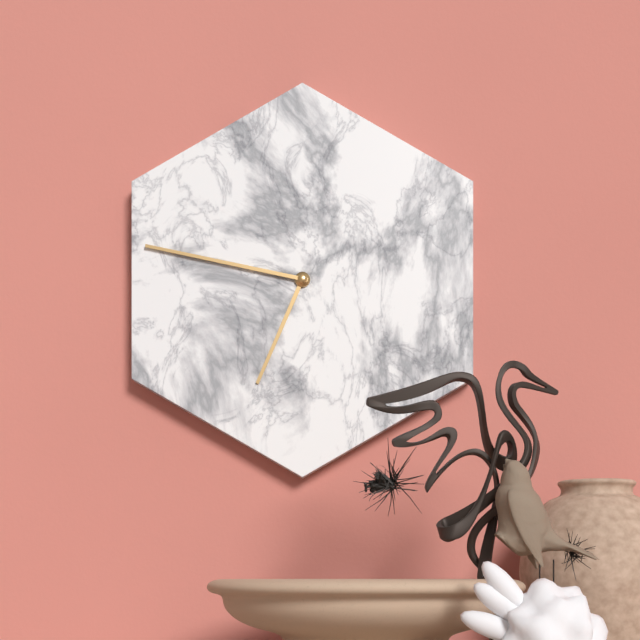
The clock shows h=6 m=47
